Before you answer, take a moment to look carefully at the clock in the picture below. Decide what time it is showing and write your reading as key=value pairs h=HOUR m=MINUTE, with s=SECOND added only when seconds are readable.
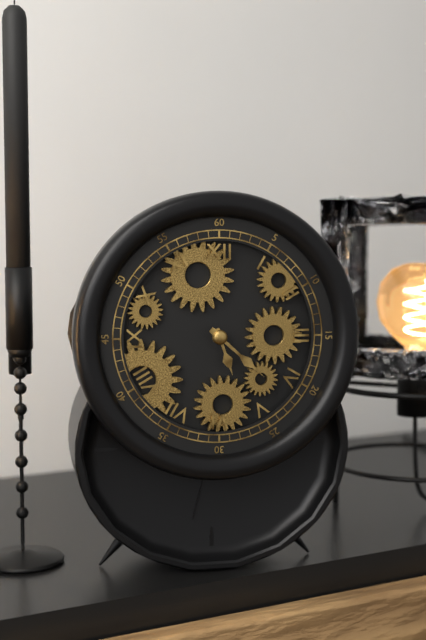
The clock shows h=5 m=22
